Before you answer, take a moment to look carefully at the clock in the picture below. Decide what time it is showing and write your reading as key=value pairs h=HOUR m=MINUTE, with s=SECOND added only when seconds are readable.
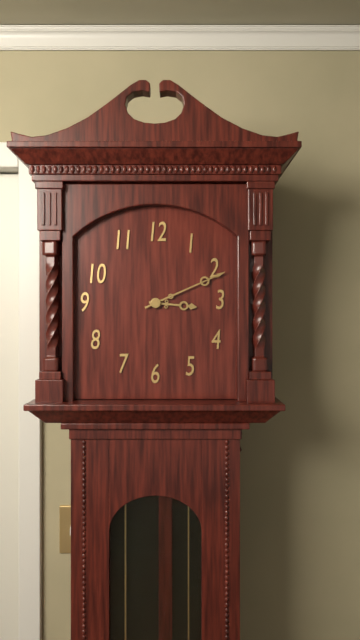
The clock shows h=3 m=11
